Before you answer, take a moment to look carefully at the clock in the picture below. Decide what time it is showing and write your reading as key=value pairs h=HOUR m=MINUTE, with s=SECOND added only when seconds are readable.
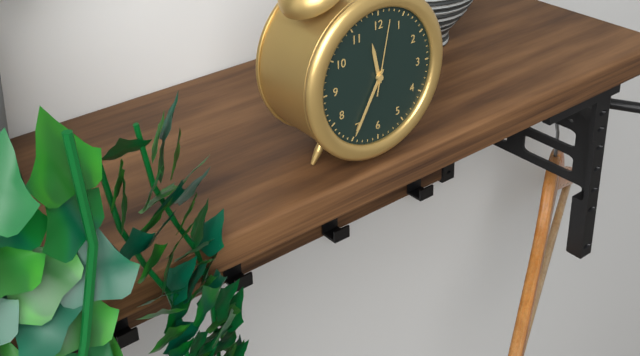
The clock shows h=11 m=35 s=2
